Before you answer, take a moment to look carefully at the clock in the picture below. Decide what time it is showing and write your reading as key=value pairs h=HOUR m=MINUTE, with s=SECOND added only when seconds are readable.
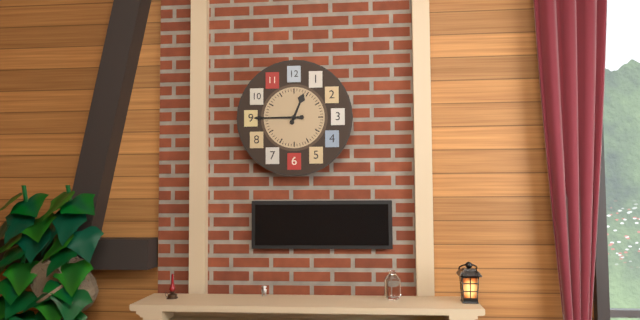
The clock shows h=12 m=45
